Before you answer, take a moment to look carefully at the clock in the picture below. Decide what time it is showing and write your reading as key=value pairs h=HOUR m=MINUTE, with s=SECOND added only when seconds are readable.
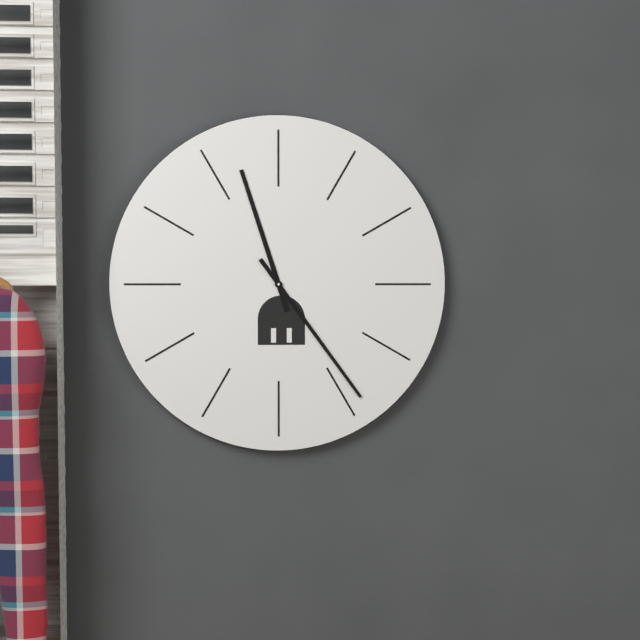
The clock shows h=11 m=24
